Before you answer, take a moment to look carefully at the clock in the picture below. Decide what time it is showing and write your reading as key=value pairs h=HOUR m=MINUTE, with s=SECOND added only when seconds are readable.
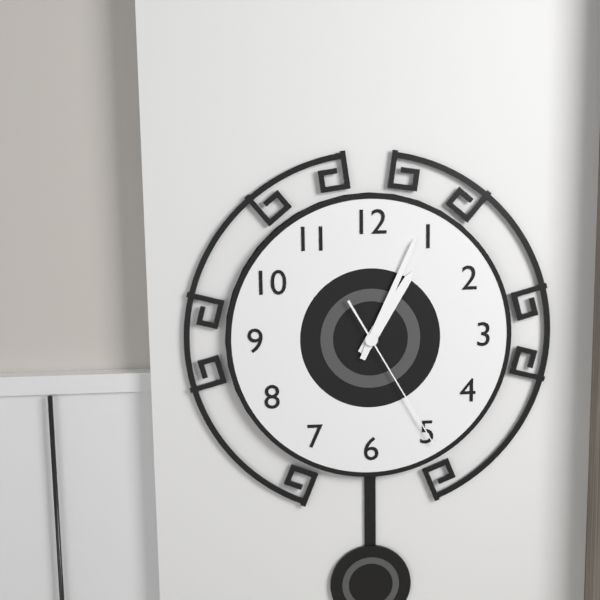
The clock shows h=1 m=4 s=25
